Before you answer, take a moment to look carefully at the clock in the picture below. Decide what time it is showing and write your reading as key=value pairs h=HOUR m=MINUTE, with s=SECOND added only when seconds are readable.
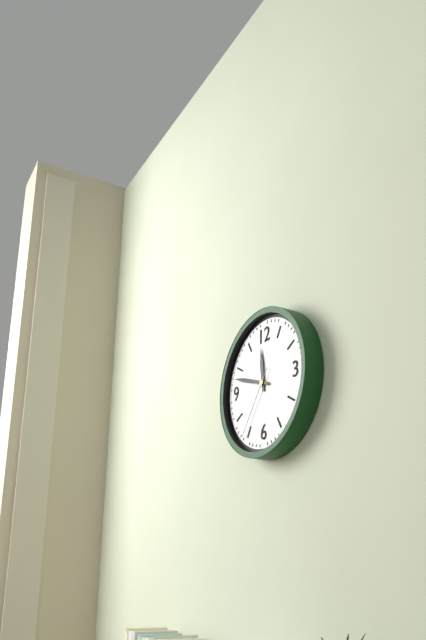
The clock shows h=11 m=48 s=36
